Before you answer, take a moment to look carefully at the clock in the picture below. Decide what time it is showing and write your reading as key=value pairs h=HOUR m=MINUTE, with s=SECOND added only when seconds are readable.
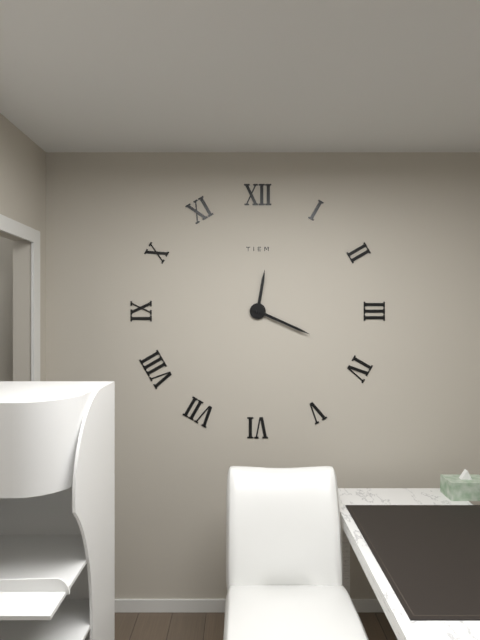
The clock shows h=12 m=19
